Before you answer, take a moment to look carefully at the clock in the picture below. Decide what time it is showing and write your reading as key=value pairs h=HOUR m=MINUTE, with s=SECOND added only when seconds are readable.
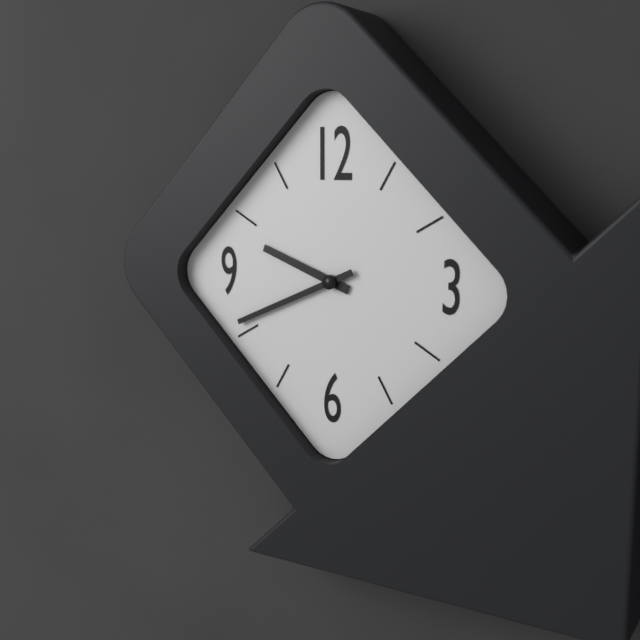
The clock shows h=9 m=41
